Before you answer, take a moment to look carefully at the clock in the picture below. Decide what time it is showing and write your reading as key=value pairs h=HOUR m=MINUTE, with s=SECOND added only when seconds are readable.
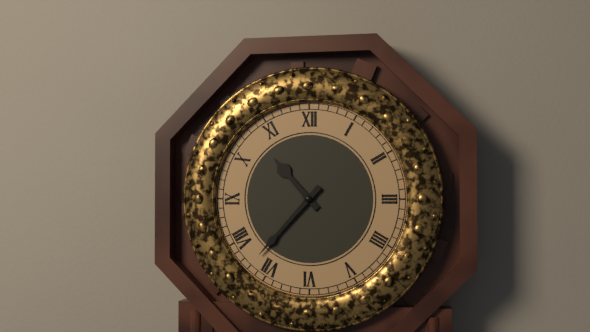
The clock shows h=10 m=37
